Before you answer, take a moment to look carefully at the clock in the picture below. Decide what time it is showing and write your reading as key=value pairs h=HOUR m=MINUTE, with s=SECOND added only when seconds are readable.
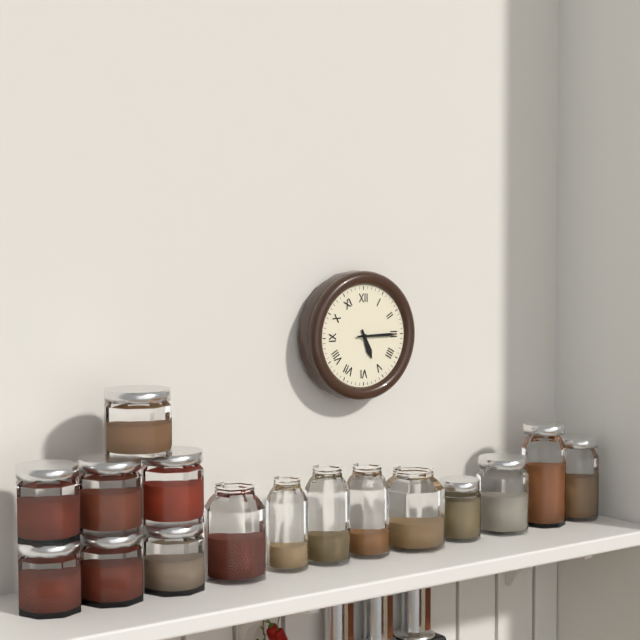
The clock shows h=5 m=15
